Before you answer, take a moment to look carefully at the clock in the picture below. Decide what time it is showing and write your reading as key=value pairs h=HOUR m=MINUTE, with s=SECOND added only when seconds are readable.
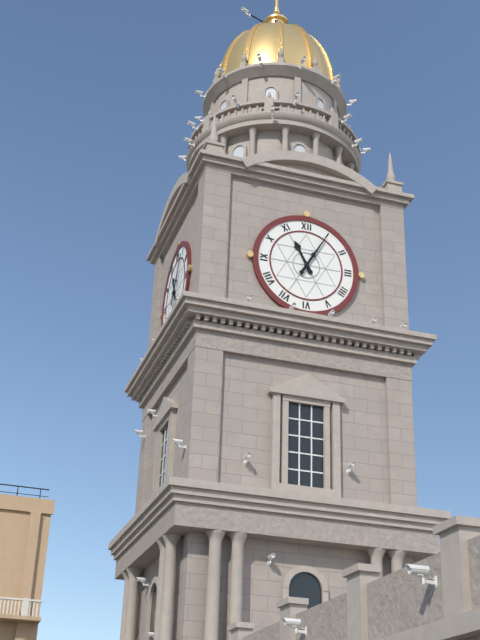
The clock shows h=11 m=5
